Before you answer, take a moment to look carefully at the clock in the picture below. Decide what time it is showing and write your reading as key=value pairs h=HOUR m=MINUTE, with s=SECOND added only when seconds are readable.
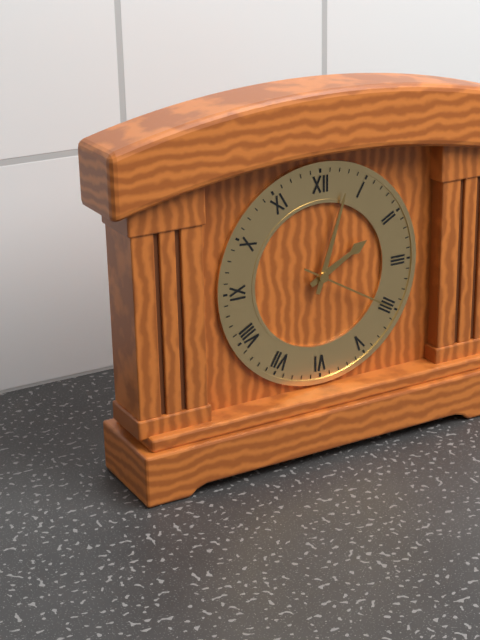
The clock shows h=2 m=3 s=20
